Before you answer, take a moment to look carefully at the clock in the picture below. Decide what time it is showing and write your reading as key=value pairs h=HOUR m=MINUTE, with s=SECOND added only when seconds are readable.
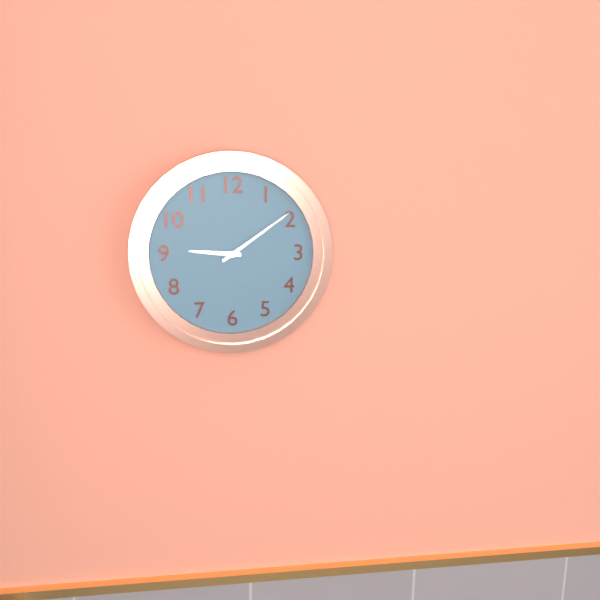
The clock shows h=9 m=9
